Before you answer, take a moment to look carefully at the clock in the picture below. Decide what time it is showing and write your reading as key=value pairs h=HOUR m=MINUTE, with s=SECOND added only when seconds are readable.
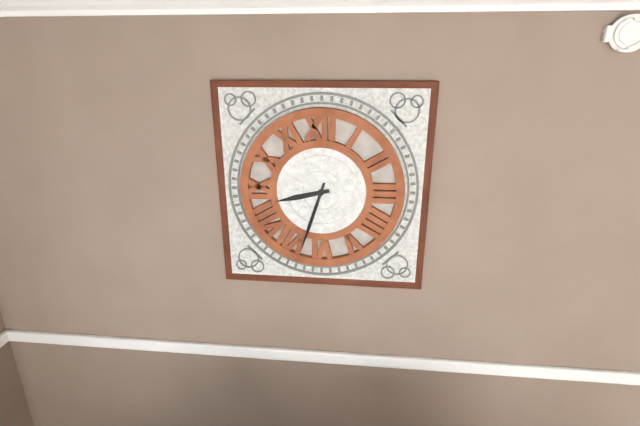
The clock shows h=8 m=33
